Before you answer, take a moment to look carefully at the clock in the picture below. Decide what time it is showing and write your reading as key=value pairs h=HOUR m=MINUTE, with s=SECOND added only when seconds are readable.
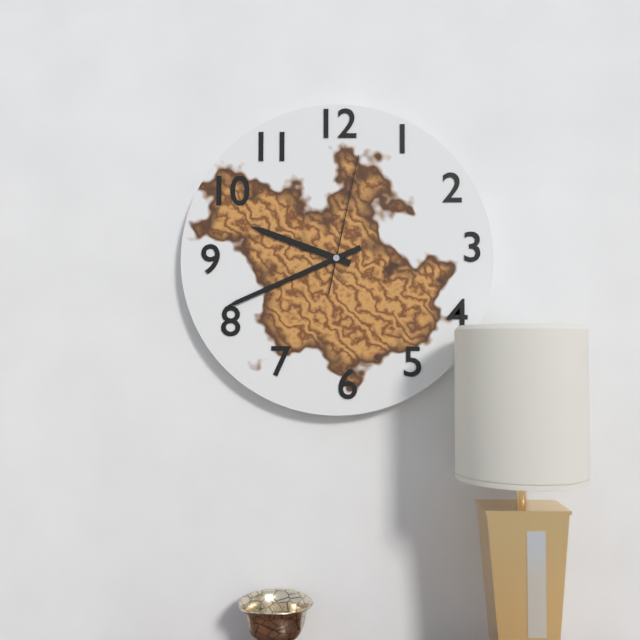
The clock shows h=9 m=41 s=2
